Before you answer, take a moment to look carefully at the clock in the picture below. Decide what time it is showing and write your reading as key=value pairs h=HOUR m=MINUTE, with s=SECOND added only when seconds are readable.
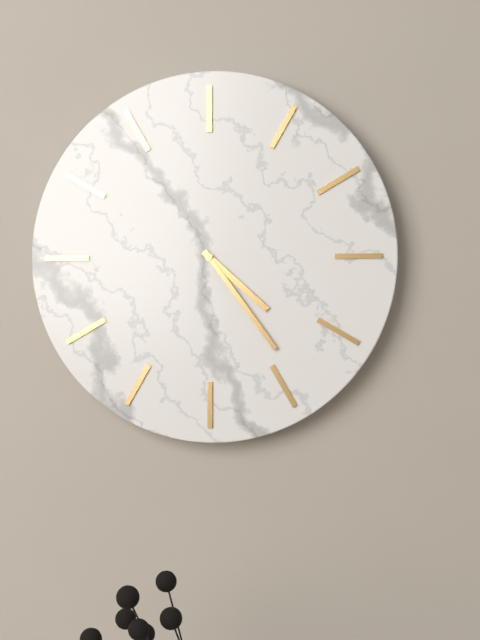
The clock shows h=4 m=24
